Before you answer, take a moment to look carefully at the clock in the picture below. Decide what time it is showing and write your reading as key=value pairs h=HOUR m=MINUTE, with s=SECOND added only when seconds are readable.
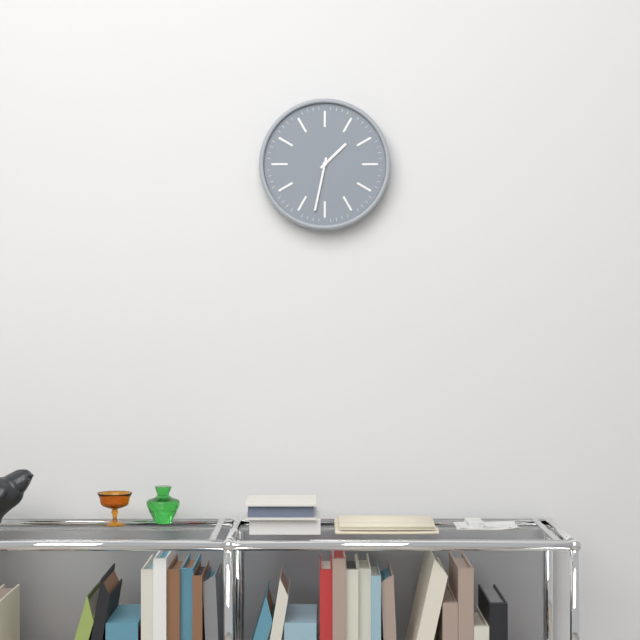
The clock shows h=1 m=32
